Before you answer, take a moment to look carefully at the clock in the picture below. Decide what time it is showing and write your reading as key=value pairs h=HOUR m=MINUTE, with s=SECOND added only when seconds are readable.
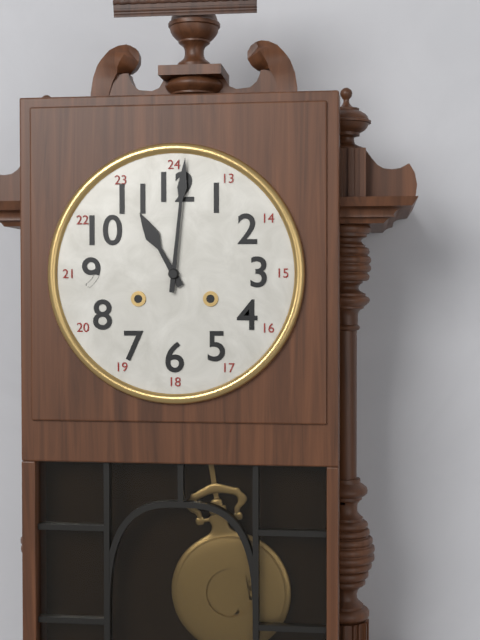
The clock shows h=11 m=1
